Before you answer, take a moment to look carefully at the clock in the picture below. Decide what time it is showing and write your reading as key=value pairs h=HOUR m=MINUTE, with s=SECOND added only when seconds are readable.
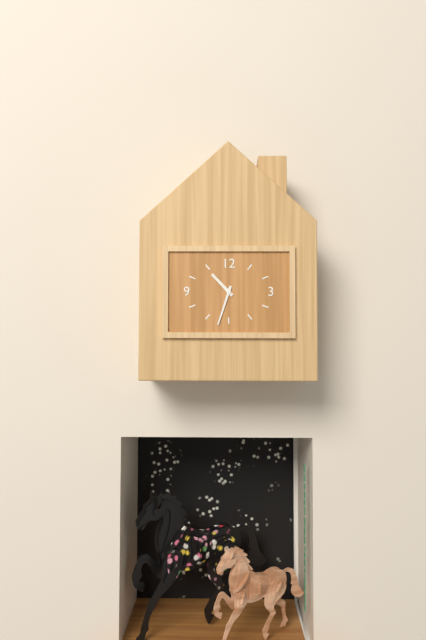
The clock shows h=10 m=33
